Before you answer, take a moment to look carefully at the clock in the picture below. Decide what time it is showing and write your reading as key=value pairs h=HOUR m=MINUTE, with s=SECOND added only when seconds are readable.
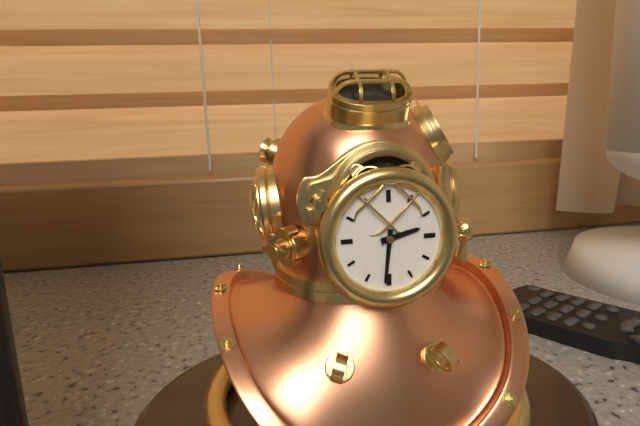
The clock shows h=2 m=31
